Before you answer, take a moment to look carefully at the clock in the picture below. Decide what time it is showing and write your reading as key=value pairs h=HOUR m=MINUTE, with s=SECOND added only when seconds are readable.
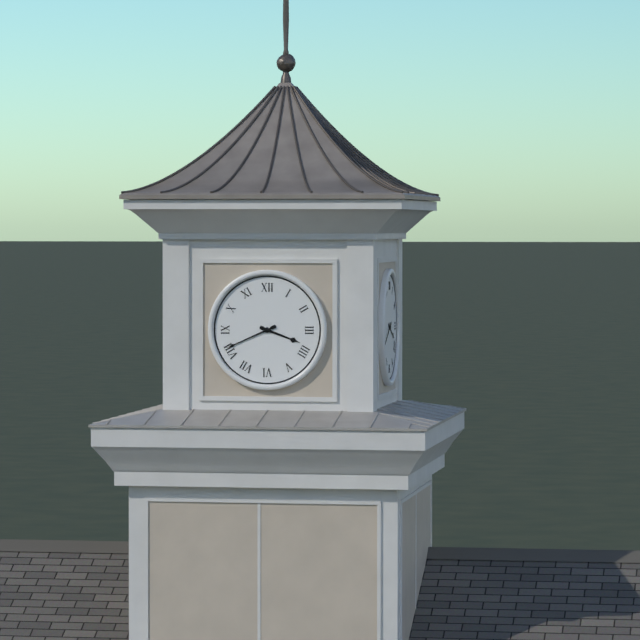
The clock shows h=3 m=41
